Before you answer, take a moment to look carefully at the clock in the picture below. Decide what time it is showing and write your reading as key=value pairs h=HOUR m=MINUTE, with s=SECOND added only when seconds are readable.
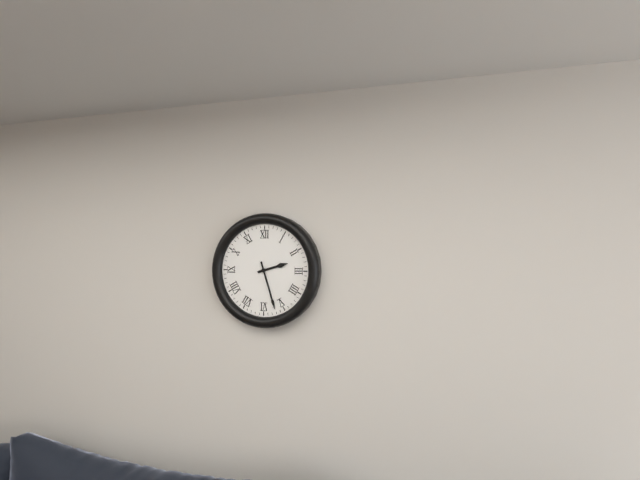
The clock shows h=2 m=27
